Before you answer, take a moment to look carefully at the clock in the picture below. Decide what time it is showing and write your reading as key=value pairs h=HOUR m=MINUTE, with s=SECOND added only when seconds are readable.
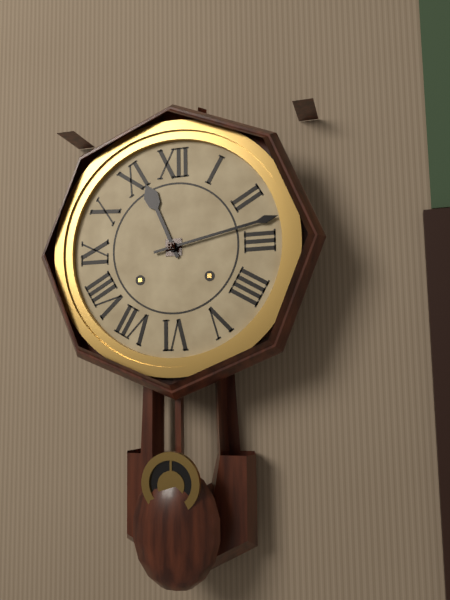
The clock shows h=11 m=13
